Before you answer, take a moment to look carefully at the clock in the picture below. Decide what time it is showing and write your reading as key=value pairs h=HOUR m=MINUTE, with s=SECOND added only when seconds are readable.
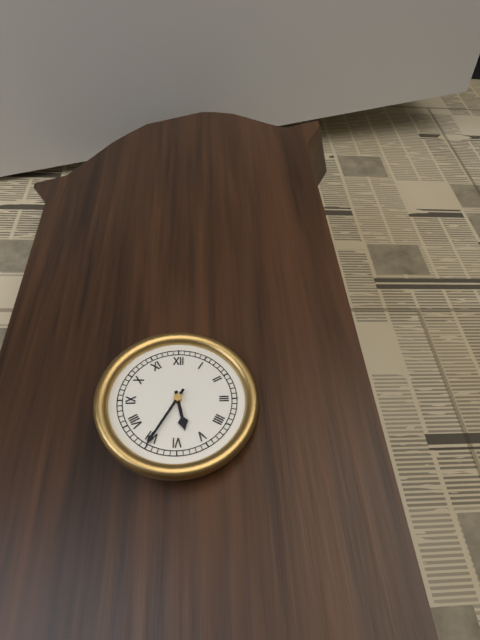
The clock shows h=5 m=35
